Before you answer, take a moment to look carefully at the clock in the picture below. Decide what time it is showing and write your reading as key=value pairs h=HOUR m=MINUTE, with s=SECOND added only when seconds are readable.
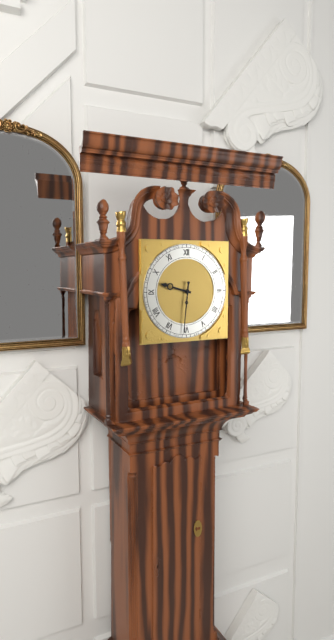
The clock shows h=9 m=31
